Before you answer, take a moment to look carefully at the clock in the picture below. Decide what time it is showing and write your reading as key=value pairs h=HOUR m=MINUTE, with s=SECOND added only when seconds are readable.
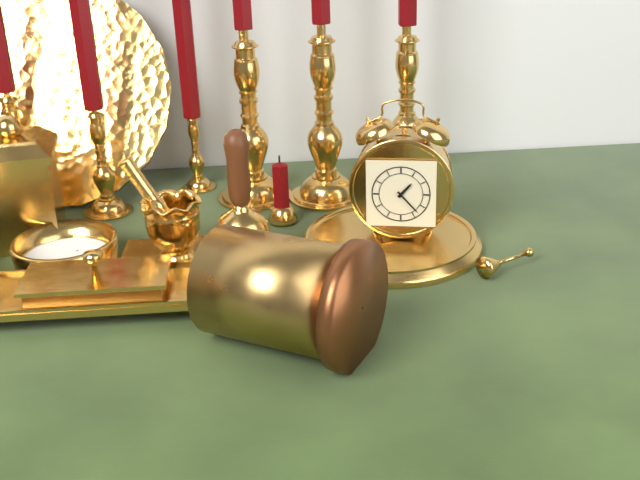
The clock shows h=1 m=23
